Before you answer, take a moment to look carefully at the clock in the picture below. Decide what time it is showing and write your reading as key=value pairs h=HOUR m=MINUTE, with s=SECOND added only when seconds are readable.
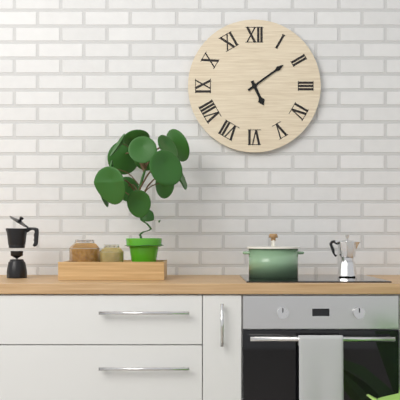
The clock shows h=5 m=9
